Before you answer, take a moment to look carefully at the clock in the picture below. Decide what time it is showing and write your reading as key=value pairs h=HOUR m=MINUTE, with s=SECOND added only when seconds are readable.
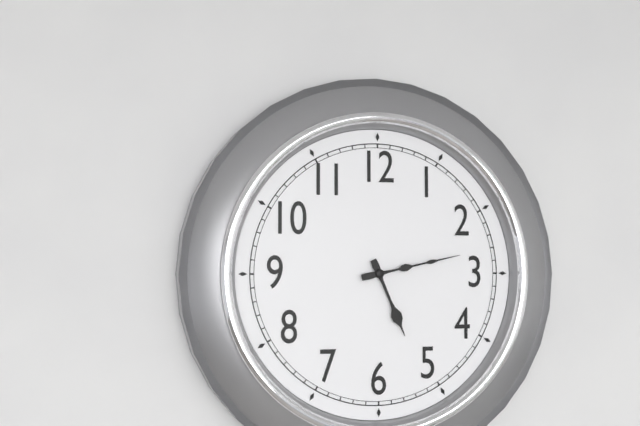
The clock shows h=5 m=13
